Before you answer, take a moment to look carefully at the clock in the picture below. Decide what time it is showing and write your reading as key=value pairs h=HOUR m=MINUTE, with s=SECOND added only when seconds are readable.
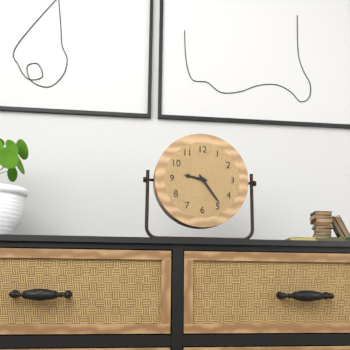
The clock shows h=9 m=24
